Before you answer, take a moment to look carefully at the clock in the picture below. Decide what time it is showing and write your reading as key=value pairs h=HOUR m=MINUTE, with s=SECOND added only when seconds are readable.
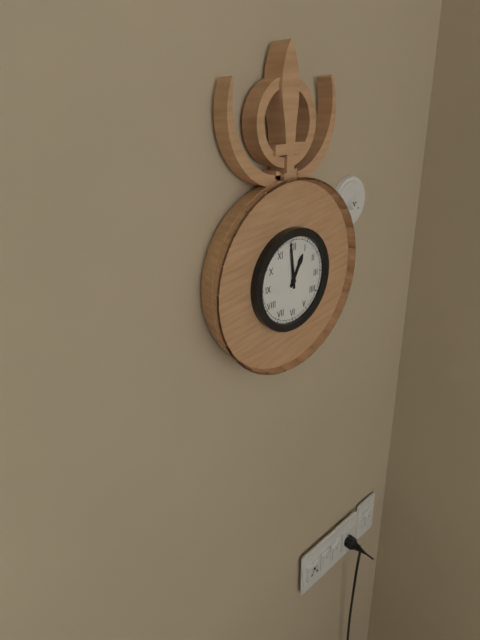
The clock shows h=12 m=59
